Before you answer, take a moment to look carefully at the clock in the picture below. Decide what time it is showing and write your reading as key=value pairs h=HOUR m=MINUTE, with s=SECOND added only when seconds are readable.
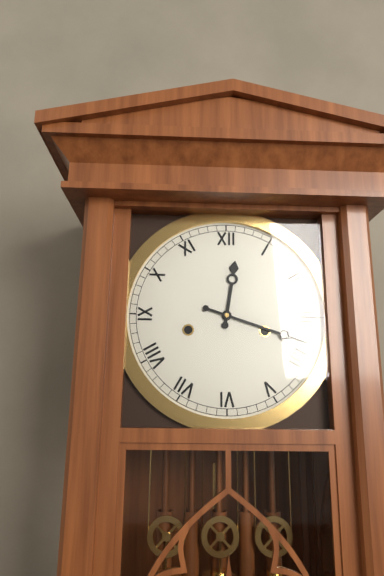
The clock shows h=12 m=18
